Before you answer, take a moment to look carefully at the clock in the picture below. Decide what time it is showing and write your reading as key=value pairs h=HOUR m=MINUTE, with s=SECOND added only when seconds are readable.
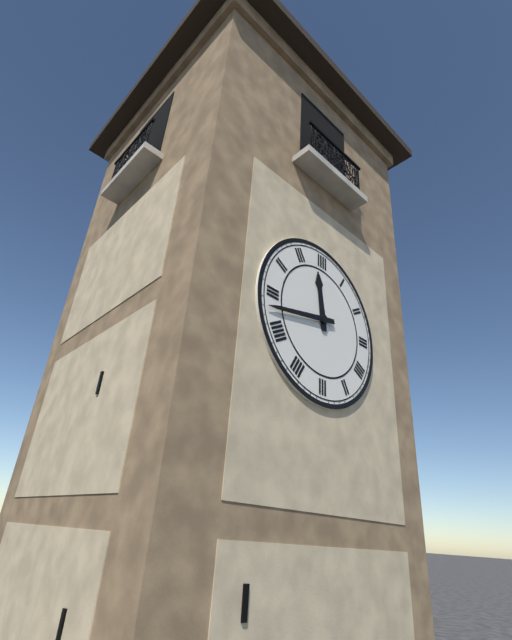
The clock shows h=11 m=43
